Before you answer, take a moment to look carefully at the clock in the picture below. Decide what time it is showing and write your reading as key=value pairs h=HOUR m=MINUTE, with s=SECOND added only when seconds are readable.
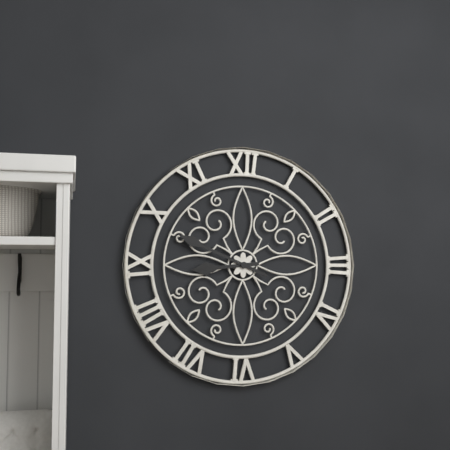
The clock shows h=8 m=49
